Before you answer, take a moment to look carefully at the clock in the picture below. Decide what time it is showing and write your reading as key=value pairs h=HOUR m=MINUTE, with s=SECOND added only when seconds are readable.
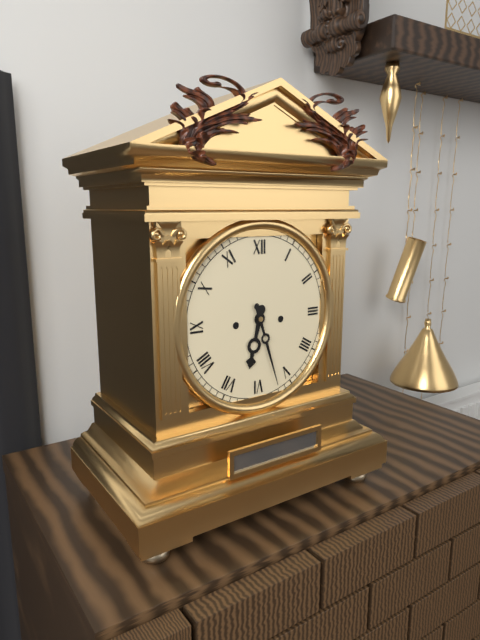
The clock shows h=6 m=27
